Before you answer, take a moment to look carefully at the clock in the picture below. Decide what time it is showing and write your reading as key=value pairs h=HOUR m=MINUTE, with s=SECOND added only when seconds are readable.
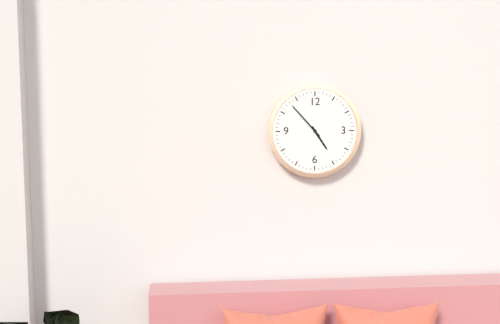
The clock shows h=4 m=53
